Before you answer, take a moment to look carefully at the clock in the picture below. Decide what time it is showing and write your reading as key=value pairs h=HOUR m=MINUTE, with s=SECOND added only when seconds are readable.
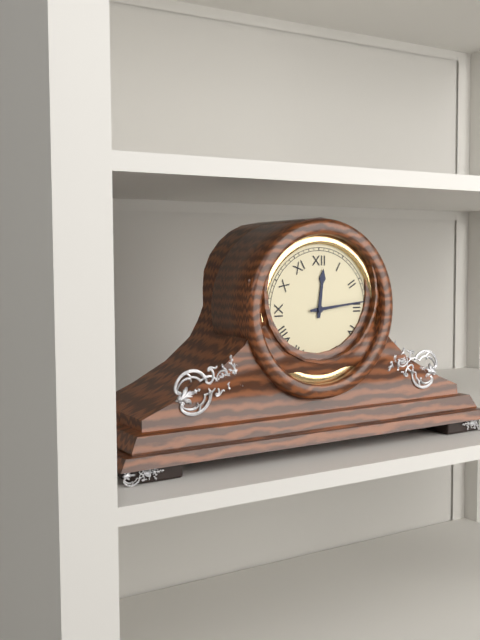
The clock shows h=12 m=14
